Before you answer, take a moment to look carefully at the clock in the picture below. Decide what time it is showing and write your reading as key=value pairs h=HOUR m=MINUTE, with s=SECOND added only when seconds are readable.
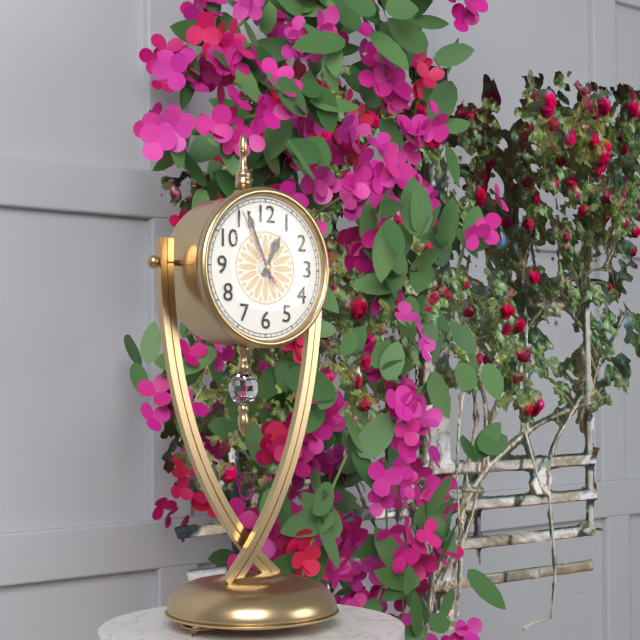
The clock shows h=12 m=56 s=55
